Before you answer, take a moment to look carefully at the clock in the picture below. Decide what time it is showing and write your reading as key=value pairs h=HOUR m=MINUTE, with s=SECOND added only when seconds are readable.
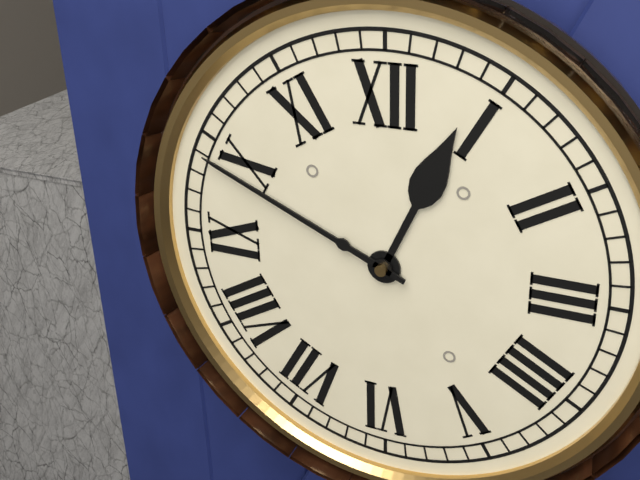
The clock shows h=12 m=49
